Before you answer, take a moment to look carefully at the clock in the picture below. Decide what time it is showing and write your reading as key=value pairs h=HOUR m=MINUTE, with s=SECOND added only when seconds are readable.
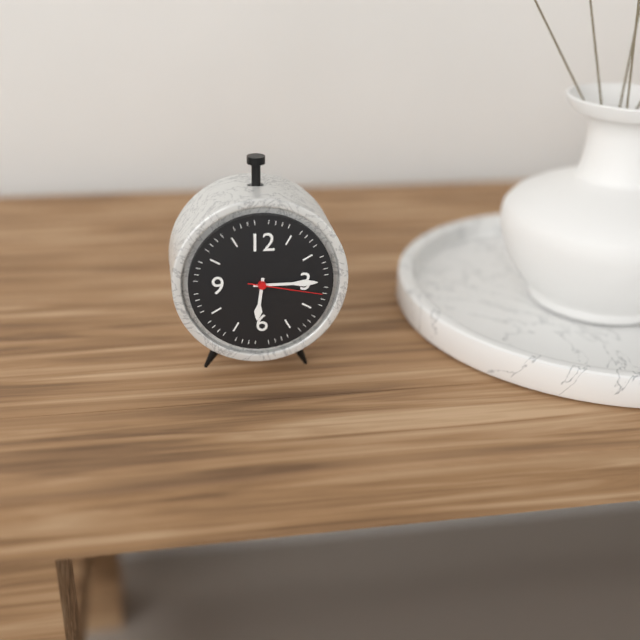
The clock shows h=6 m=15 s=17
